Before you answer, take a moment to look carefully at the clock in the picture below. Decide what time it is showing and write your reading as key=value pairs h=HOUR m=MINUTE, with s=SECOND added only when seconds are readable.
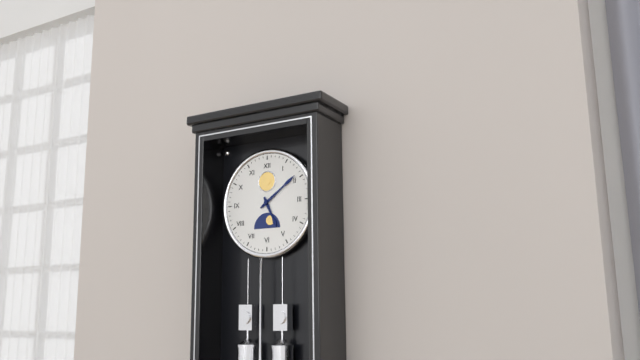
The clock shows h=5 m=9
